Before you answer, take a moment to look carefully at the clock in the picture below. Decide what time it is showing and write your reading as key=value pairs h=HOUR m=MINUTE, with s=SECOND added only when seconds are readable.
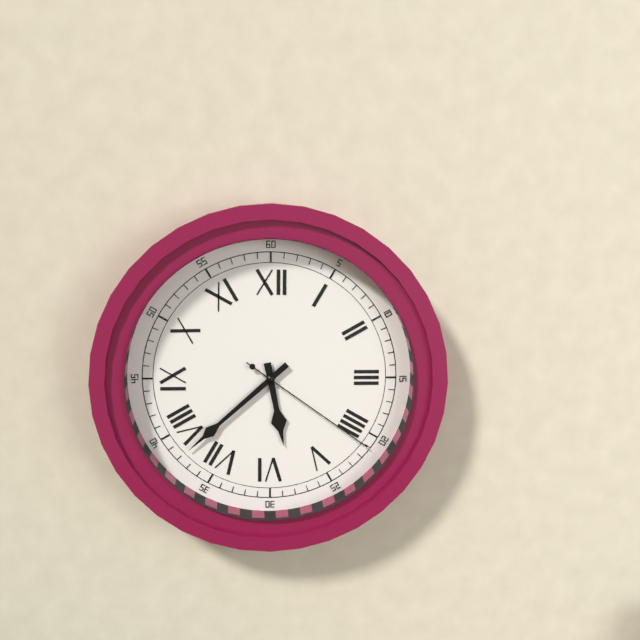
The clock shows h=5 m=38 s=21
